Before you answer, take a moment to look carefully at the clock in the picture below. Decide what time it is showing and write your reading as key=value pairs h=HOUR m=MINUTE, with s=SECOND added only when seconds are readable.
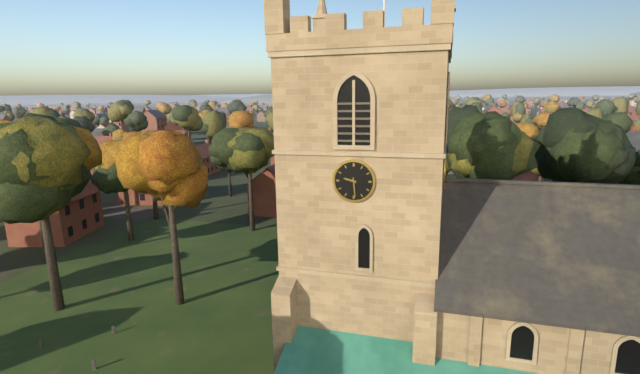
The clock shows h=9 m=29
